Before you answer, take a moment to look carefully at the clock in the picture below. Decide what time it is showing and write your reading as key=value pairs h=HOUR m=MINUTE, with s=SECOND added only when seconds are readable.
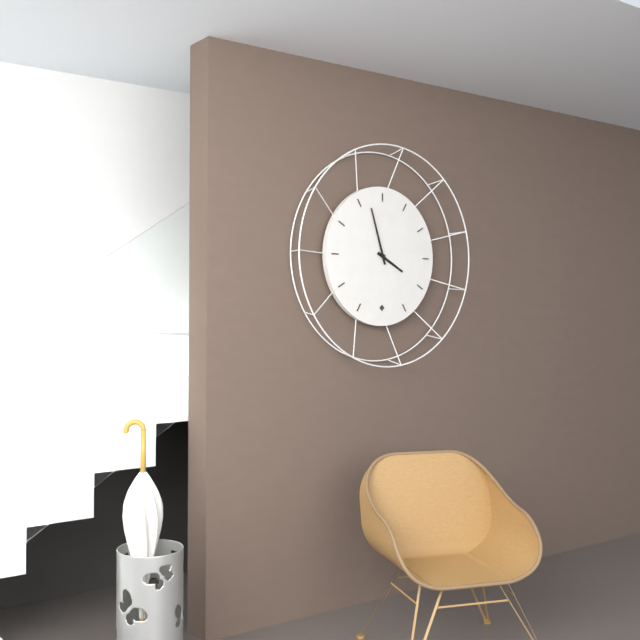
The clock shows h=3 m=57
